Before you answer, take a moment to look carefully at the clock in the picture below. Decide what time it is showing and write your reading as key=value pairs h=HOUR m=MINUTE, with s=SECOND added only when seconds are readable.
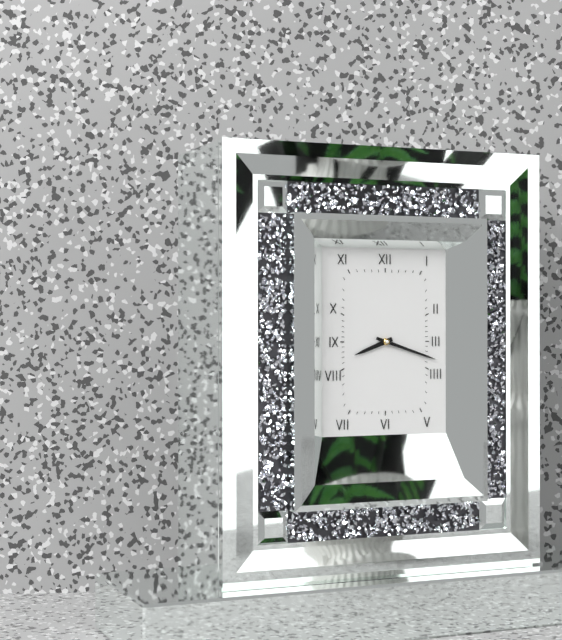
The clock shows h=8 m=18
